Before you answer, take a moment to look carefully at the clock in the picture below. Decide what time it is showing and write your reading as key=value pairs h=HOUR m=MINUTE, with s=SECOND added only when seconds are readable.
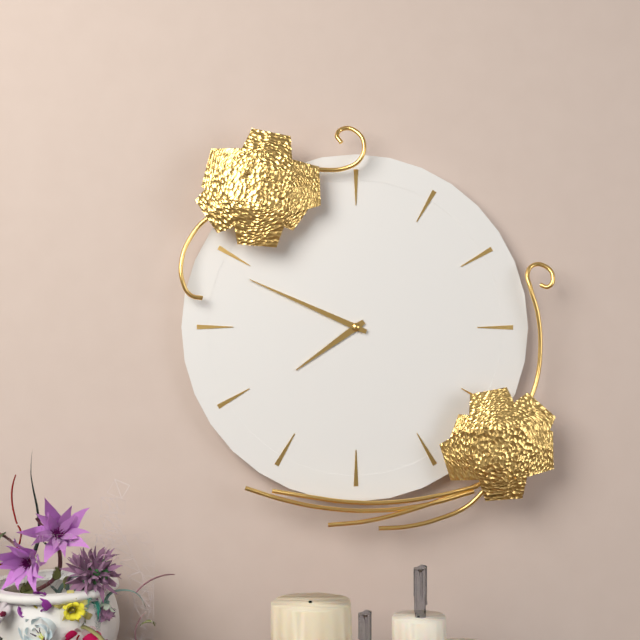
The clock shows h=7 m=49
